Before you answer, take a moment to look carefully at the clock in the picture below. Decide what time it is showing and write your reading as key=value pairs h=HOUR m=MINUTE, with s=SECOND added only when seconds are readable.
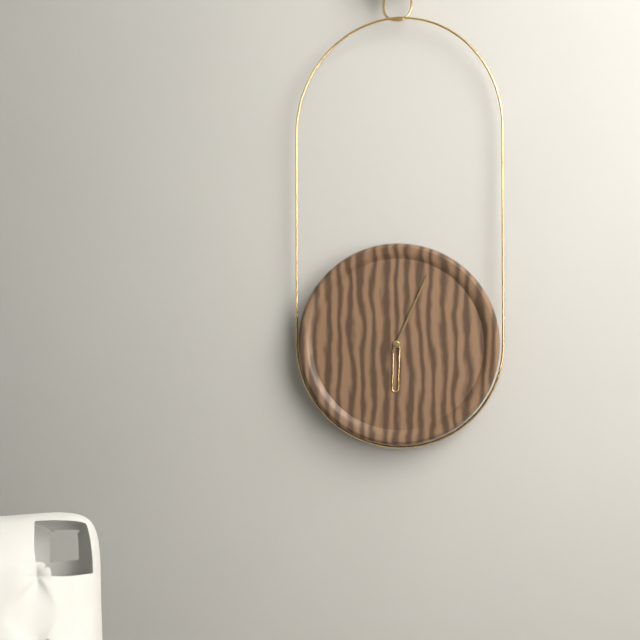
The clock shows h=6 m=4
